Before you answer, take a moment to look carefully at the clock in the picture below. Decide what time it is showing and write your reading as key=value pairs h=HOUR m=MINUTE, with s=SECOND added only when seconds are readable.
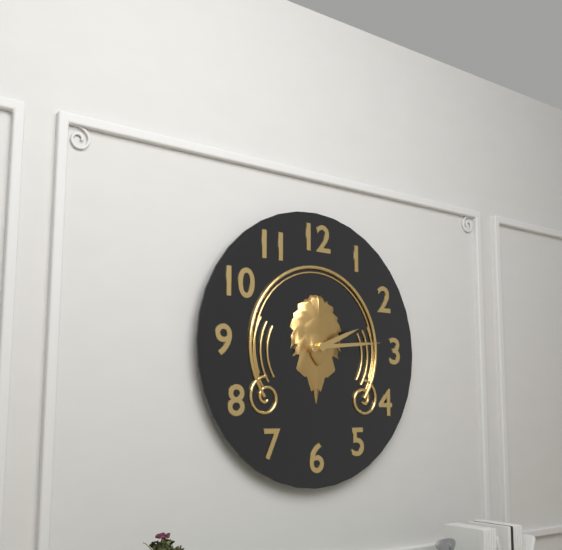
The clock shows h=2 m=14
